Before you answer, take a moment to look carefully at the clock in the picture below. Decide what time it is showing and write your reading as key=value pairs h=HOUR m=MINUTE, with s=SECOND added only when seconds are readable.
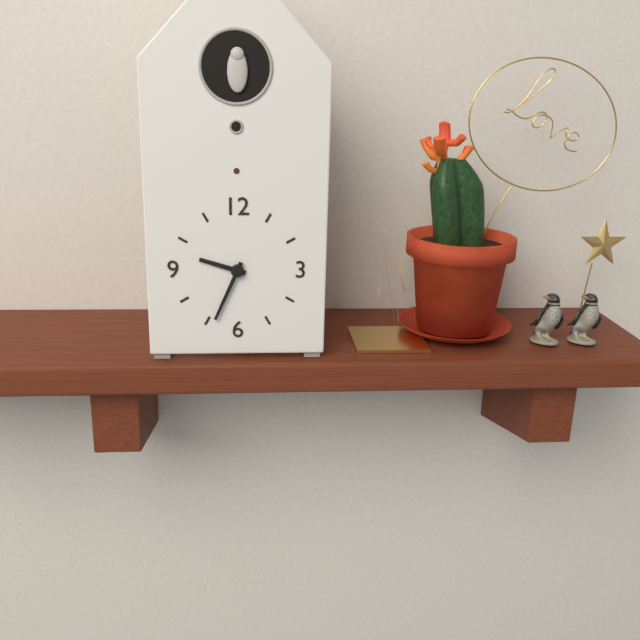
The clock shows h=9 m=34
